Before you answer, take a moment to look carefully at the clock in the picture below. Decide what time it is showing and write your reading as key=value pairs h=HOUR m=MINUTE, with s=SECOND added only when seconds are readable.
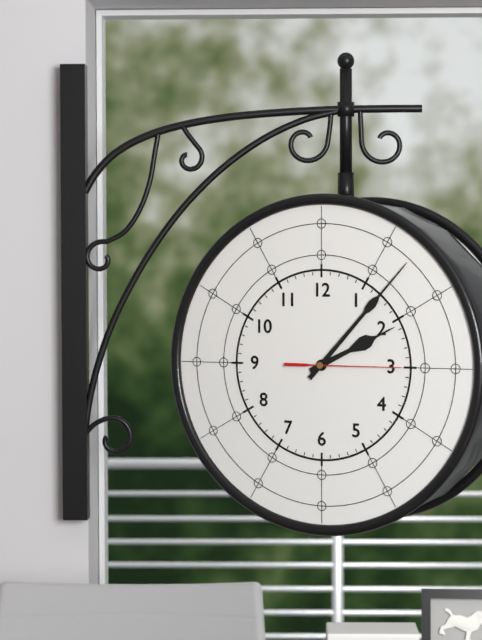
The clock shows h=2 m=7 s=15
